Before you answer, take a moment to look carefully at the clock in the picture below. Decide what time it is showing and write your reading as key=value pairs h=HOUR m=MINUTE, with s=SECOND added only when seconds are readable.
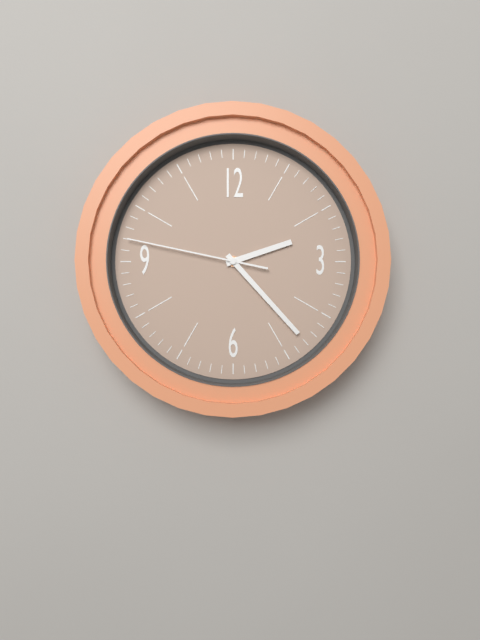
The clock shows h=2 m=23 s=47
